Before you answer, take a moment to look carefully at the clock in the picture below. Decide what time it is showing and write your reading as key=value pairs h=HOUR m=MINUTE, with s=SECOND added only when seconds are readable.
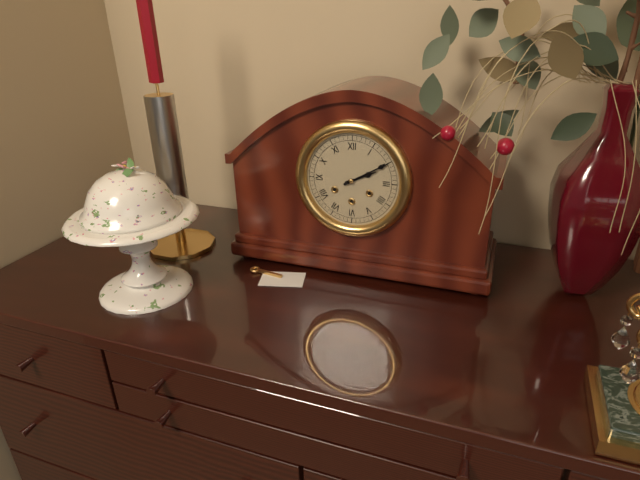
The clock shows h=2 m=10
